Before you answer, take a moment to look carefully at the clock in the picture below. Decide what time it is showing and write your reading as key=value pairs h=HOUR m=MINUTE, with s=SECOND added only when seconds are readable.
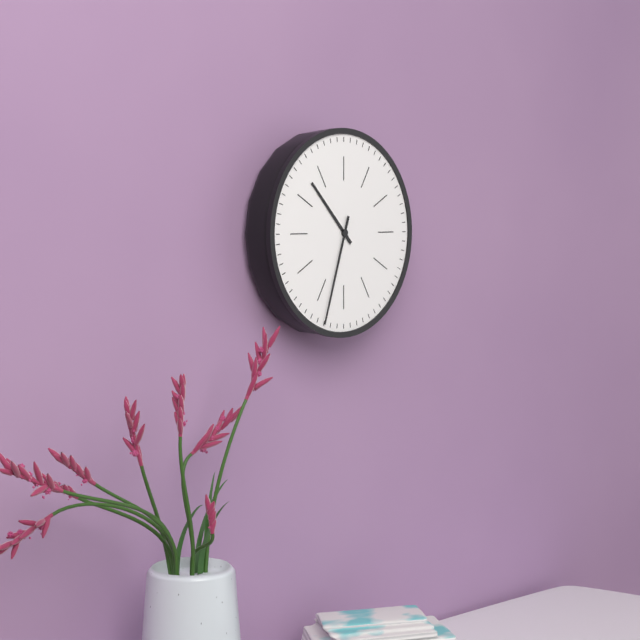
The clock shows h=10 m=33
